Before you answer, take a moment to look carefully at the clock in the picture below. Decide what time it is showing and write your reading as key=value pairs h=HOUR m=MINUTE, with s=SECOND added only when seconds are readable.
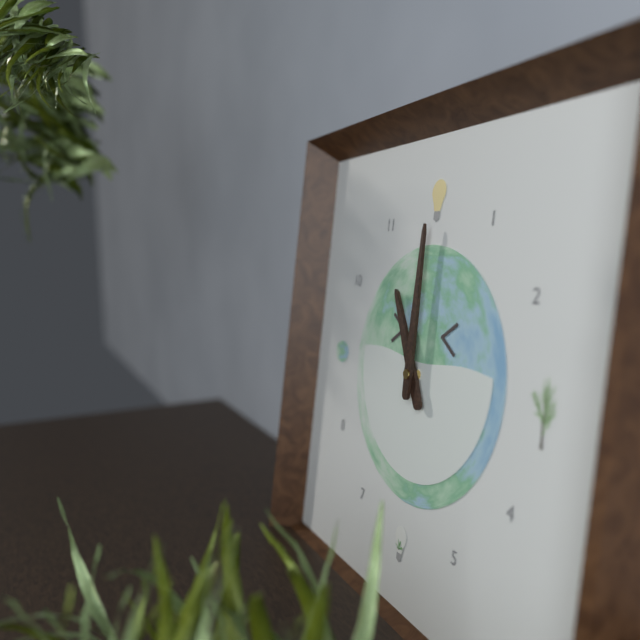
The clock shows h=11 m=0
